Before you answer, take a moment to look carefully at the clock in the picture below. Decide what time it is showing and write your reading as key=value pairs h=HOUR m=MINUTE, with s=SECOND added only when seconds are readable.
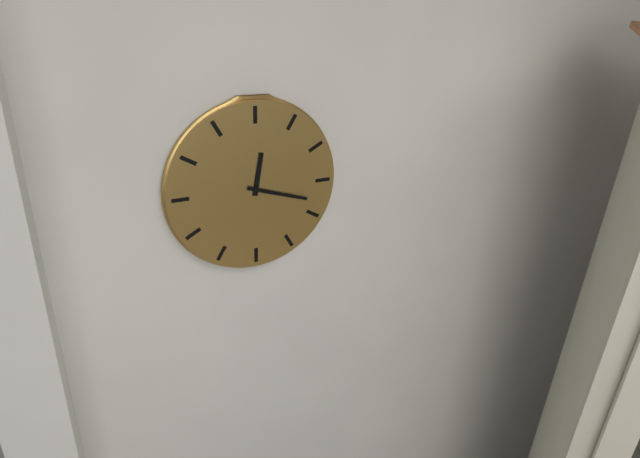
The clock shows h=12 m=18
